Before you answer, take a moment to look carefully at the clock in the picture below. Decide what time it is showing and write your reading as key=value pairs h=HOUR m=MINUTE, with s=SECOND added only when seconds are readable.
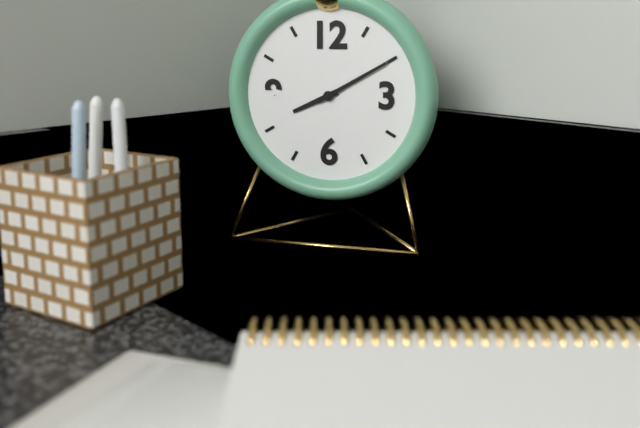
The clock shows h=8 m=10
